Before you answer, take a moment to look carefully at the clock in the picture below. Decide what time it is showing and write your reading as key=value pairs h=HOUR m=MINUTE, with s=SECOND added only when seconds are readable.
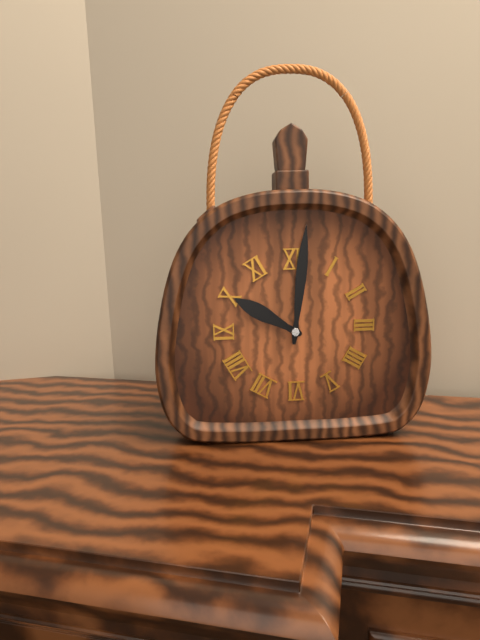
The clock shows h=10 m=1
